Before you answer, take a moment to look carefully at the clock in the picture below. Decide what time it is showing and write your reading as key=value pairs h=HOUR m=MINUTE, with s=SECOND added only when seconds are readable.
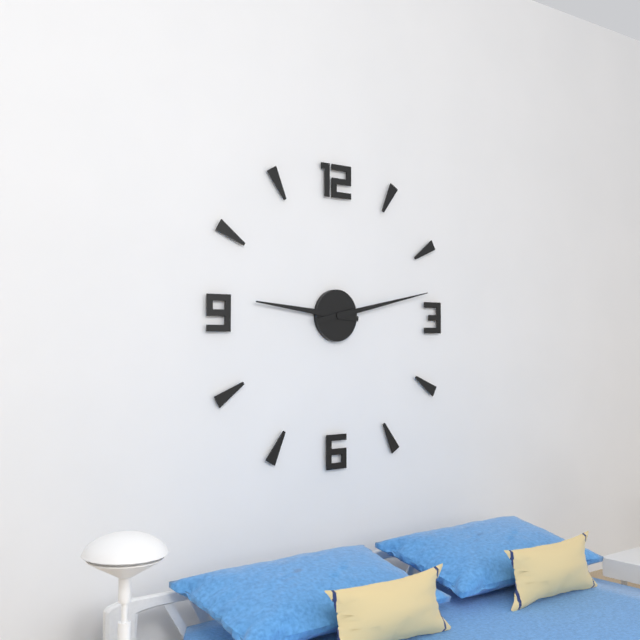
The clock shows h=9 m=13
